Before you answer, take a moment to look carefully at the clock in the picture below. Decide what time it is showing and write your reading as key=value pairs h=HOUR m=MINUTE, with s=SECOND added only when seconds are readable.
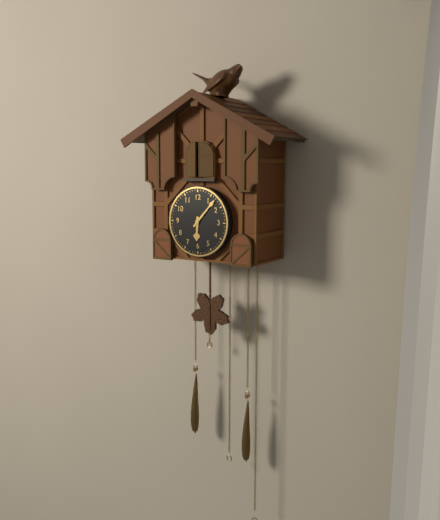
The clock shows h=6 m=7
